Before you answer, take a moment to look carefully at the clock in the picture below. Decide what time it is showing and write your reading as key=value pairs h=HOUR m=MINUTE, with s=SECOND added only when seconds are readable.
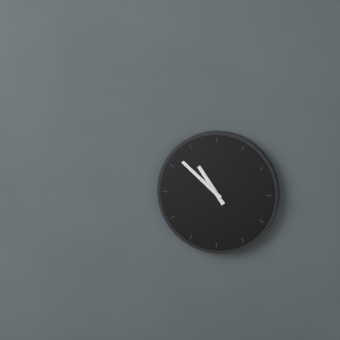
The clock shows h=10 m=52
